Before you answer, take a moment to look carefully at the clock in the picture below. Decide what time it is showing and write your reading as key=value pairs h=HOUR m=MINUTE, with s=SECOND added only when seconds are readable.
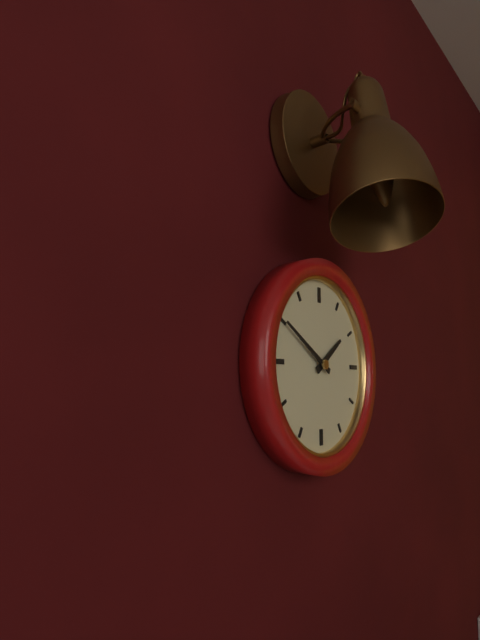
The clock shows h=1 m=50
